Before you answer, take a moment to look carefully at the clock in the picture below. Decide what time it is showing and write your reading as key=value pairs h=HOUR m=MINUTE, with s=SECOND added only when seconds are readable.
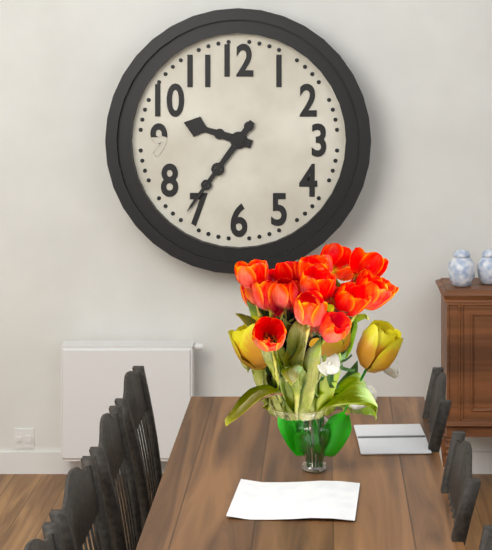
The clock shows h=9 m=36
